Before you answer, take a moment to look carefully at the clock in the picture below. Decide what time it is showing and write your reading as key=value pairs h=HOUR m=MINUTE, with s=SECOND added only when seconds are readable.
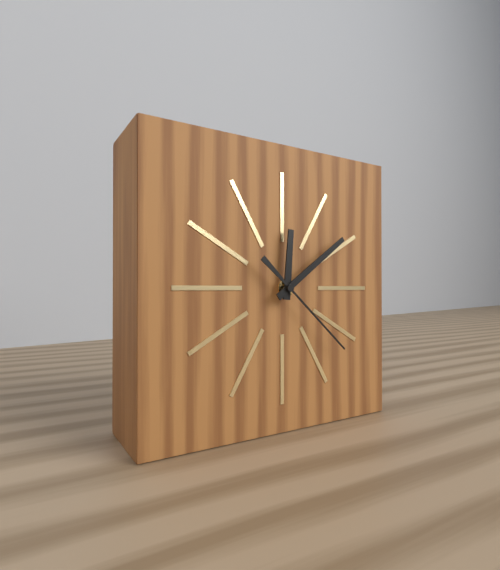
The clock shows h=12 m=9 s=22
